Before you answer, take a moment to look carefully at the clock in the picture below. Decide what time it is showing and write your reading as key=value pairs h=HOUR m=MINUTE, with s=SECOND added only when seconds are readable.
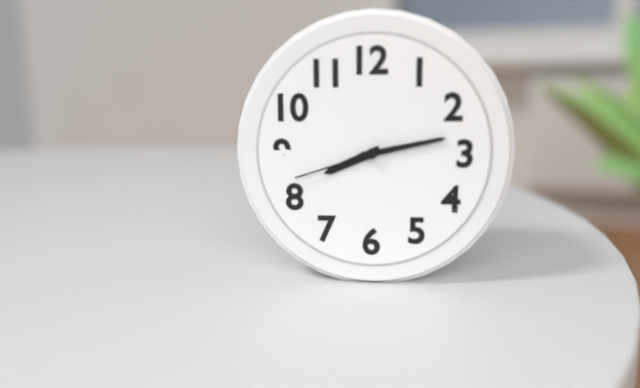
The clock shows h=8 m=13 s=42
